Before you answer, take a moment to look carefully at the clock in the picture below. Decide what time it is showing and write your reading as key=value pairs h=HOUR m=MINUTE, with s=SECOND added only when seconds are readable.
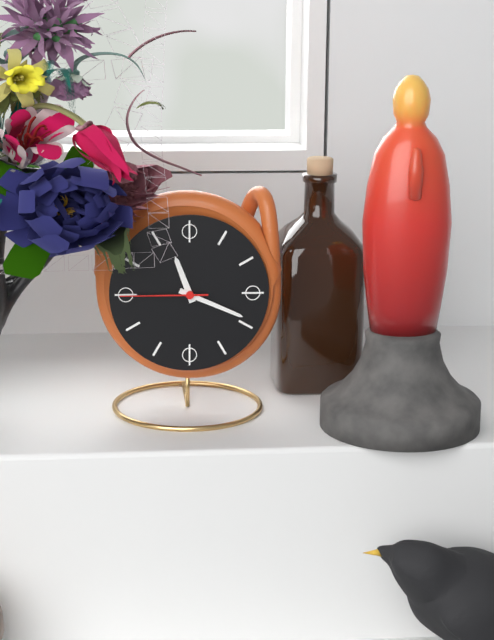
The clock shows h=11 m=19 s=45
